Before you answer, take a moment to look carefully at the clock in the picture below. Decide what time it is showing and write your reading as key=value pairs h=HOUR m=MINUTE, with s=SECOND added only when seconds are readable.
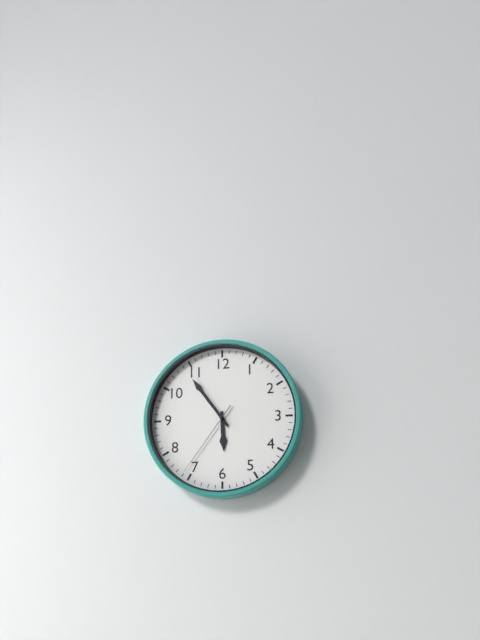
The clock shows h=5 m=54 s=36
